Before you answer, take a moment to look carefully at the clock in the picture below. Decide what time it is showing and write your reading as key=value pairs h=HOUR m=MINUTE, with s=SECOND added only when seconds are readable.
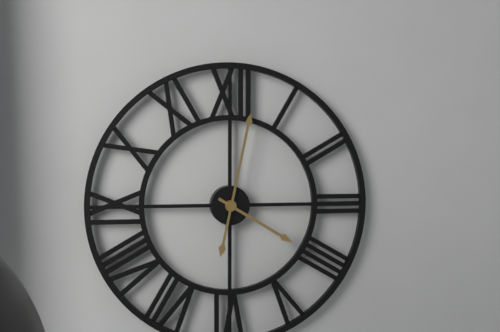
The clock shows h=4 m=2
